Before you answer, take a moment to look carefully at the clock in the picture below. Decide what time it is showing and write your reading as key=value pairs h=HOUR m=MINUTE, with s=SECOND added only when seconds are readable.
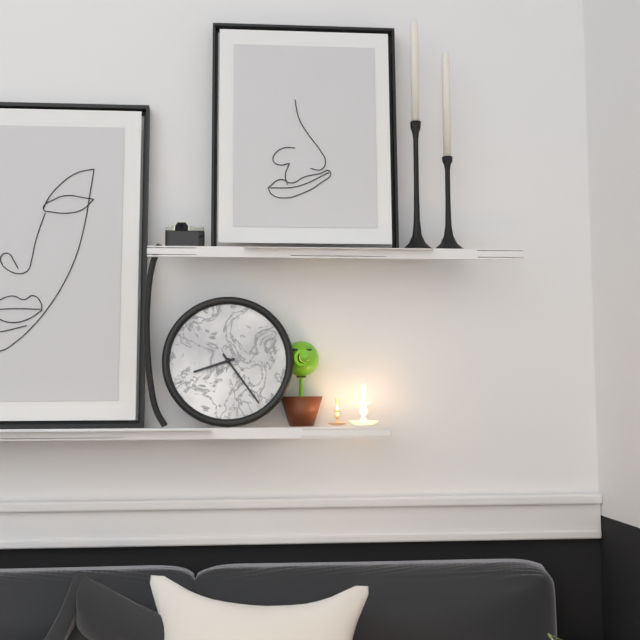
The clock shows h=8 m=24
